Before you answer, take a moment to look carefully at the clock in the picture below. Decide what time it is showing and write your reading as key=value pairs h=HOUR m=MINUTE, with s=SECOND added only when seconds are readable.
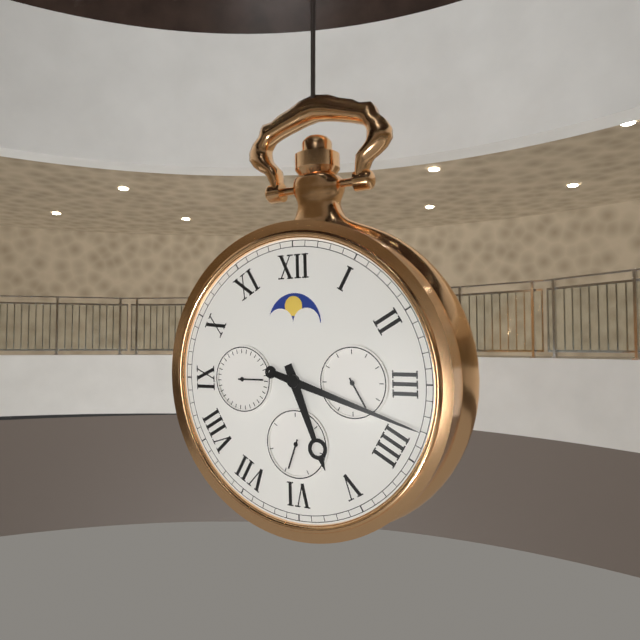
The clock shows h=5 m=18
